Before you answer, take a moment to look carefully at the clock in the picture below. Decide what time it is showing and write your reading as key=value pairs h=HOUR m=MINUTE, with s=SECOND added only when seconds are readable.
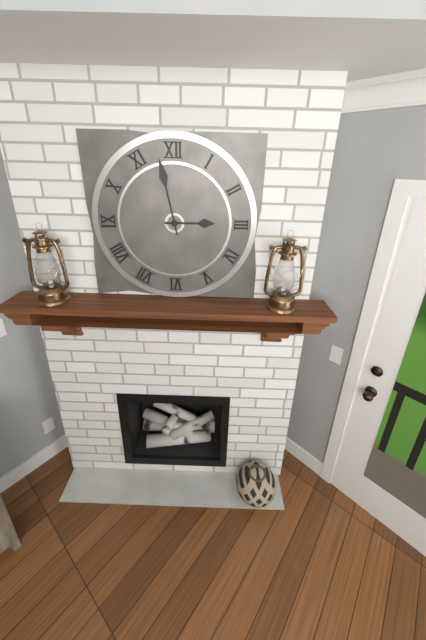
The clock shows h=2 m=58
